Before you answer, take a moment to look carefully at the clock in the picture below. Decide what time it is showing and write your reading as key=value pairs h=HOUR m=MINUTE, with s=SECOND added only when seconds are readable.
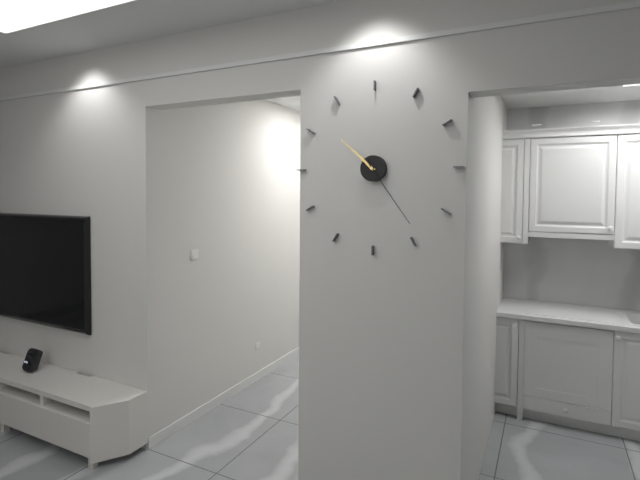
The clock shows h=10 m=24
